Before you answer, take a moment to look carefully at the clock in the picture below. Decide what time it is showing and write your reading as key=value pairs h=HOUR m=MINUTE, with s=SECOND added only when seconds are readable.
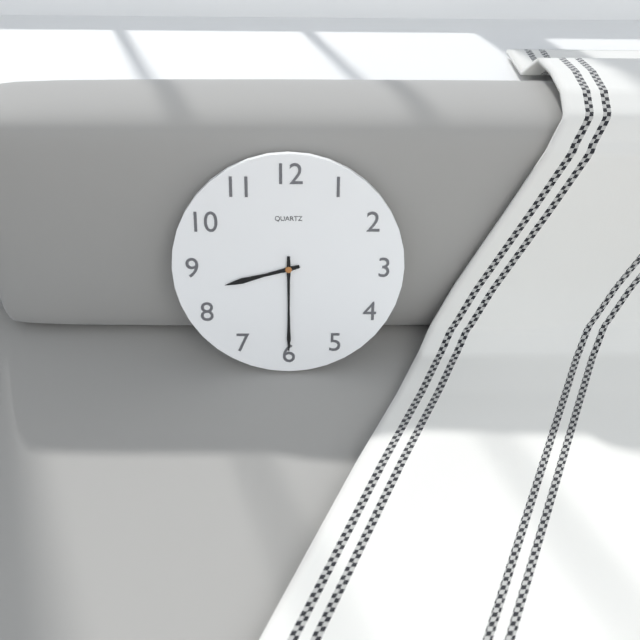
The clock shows h=8 m=30
